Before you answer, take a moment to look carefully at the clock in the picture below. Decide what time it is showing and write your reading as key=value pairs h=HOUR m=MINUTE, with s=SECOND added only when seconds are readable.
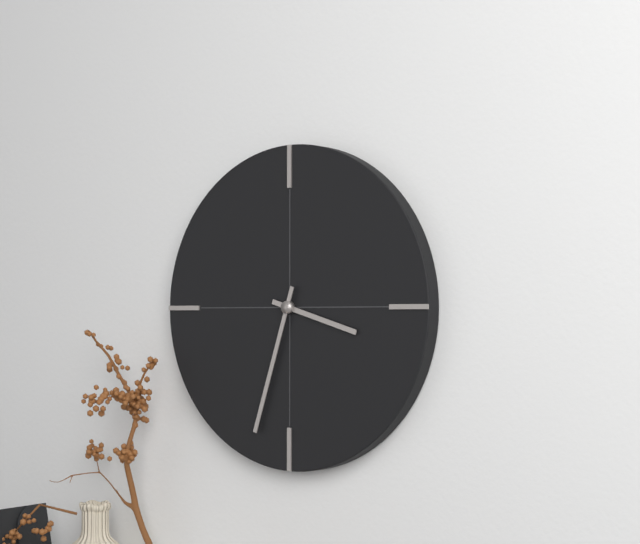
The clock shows h=3 m=33
